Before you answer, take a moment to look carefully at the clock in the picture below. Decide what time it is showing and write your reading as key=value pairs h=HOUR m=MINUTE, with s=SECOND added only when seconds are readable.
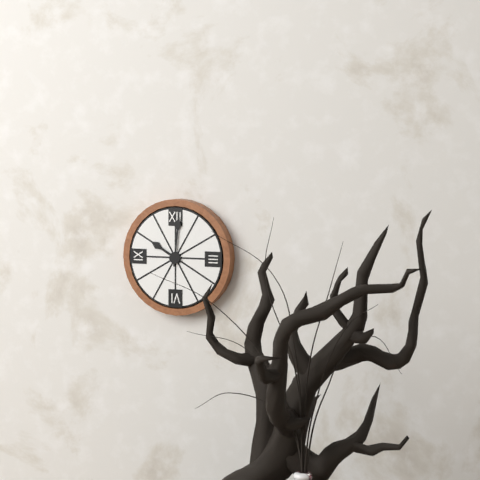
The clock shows h=10 m=1
